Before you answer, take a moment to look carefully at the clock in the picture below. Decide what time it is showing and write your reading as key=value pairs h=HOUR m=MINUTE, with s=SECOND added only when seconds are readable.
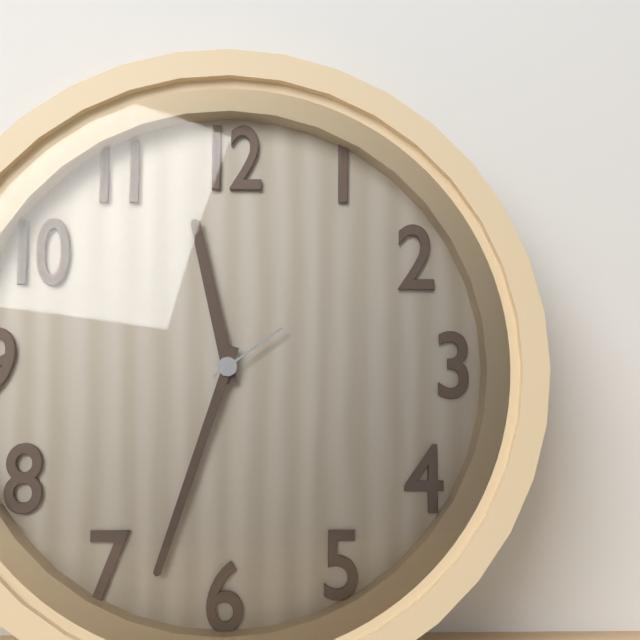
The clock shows h=11 m=33 s=9
